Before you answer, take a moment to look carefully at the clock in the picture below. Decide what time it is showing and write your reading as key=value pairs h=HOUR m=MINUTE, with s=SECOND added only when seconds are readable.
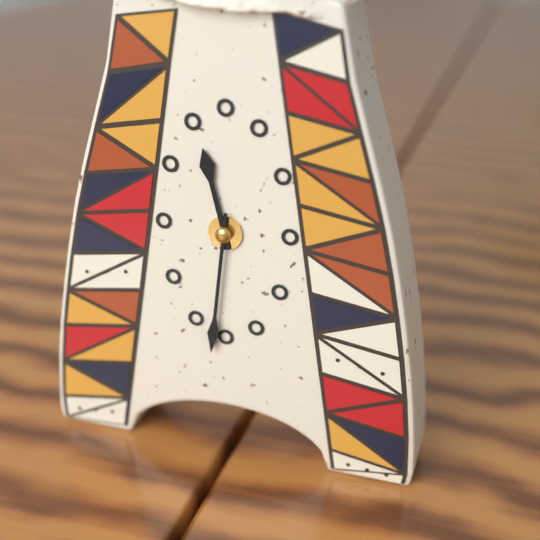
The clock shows h=11 m=31
